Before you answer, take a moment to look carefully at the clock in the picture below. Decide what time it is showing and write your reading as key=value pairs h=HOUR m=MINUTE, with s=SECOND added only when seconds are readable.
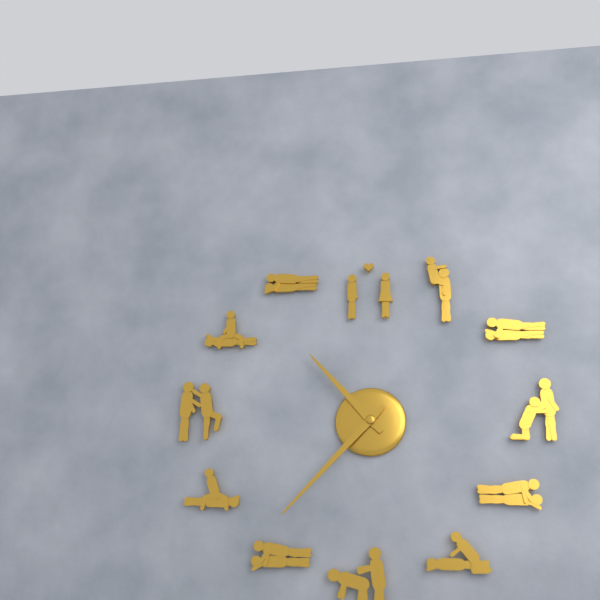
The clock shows h=10 m=37
